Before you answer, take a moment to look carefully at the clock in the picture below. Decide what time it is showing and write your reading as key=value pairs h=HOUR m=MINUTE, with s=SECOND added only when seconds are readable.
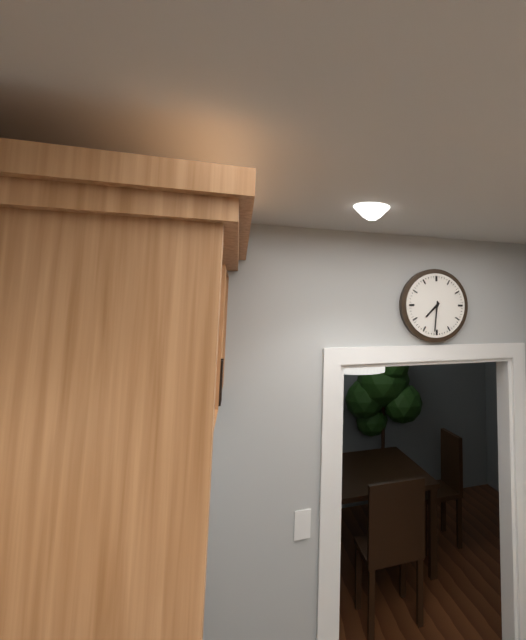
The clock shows h=7 m=31
